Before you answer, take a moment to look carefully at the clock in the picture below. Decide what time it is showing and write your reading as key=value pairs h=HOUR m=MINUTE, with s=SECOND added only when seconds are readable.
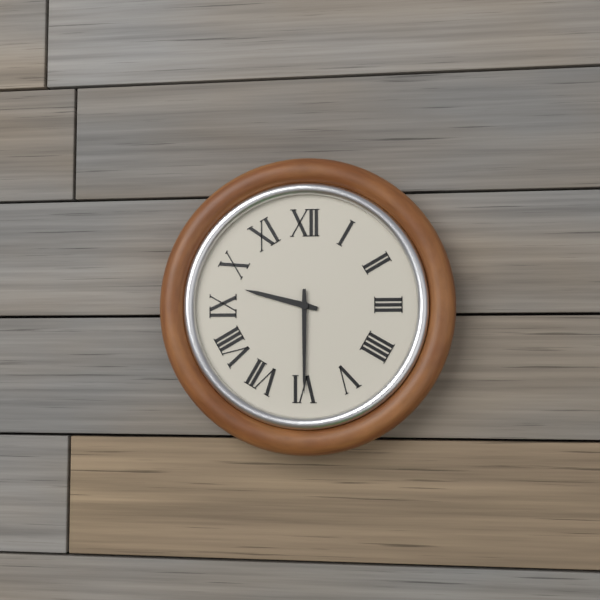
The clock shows h=9 m=30
